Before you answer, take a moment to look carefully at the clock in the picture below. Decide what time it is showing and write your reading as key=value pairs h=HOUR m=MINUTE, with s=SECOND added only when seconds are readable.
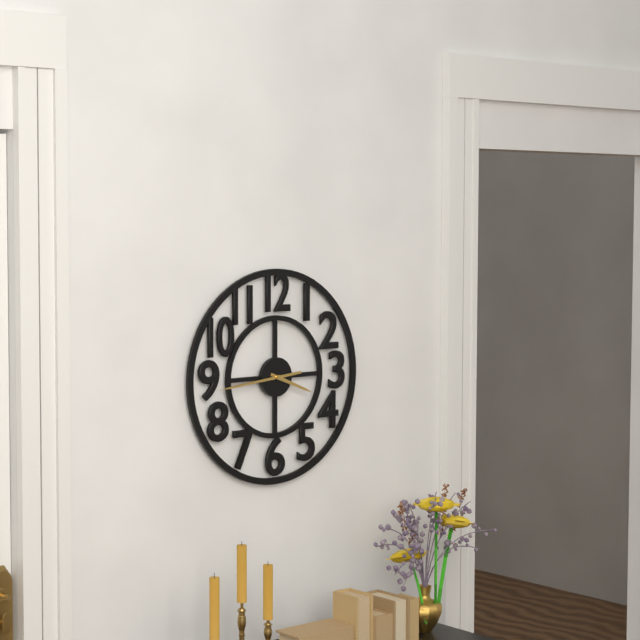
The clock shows h=3 m=44
